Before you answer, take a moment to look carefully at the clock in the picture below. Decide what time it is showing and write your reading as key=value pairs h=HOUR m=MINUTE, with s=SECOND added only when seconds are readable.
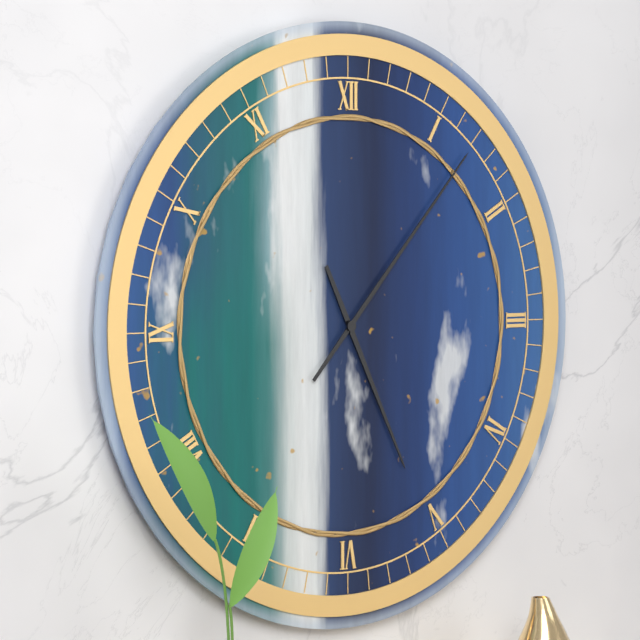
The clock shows h=5 m=7
